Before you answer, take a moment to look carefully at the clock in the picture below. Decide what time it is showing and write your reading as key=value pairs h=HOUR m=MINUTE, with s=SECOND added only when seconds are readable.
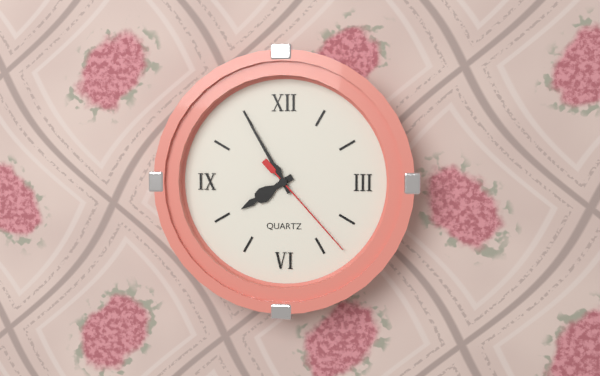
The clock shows h=7 m=55 s=23
